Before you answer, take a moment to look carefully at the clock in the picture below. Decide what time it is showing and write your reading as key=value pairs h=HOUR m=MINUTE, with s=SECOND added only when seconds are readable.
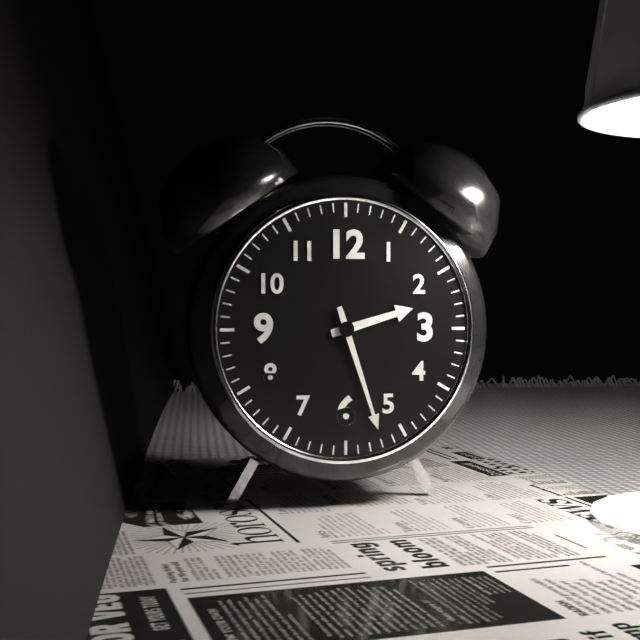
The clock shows h=2 m=27
